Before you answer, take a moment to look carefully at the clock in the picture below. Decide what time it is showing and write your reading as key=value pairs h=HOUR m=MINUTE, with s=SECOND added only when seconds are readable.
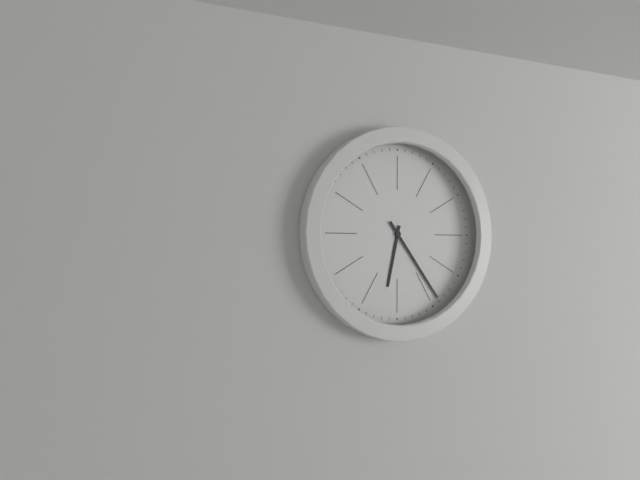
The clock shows h=6 m=24
